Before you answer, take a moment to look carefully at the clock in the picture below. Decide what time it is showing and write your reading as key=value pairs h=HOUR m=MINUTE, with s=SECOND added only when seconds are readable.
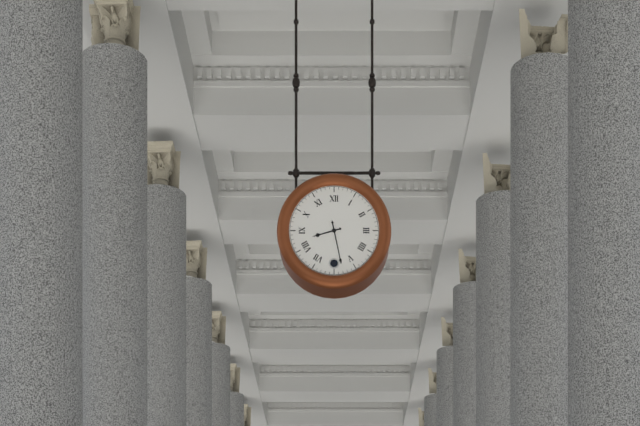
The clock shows h=8 m=28
